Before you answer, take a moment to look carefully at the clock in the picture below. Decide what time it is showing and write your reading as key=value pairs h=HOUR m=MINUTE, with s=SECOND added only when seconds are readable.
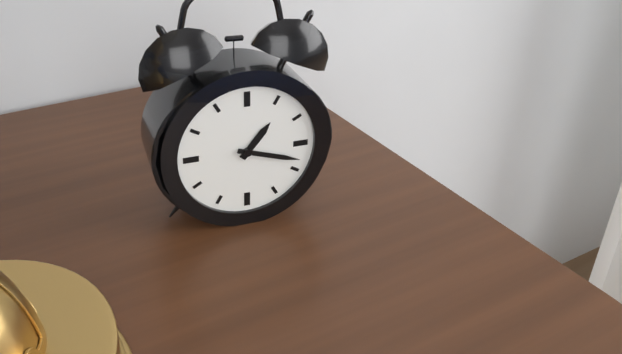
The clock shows h=1 m=18
